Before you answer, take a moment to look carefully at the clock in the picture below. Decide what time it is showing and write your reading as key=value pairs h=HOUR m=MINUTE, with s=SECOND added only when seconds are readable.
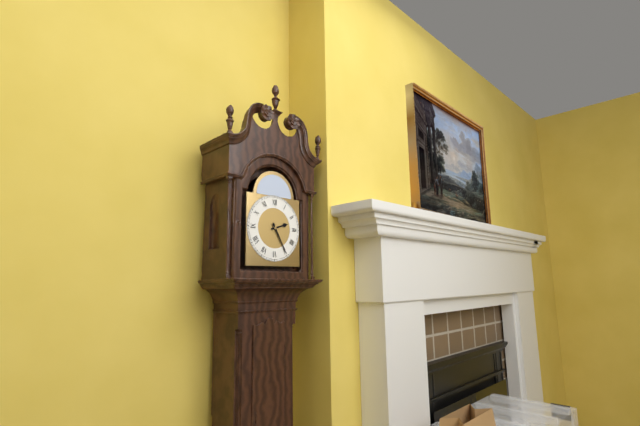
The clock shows h=2 m=25
